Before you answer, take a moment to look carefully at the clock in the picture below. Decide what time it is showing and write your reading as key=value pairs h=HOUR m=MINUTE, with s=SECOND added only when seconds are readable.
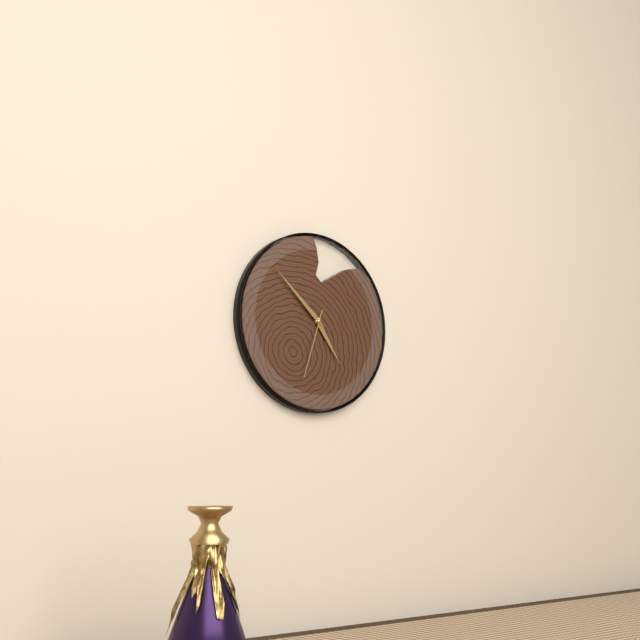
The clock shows h=4 m=52 s=33
